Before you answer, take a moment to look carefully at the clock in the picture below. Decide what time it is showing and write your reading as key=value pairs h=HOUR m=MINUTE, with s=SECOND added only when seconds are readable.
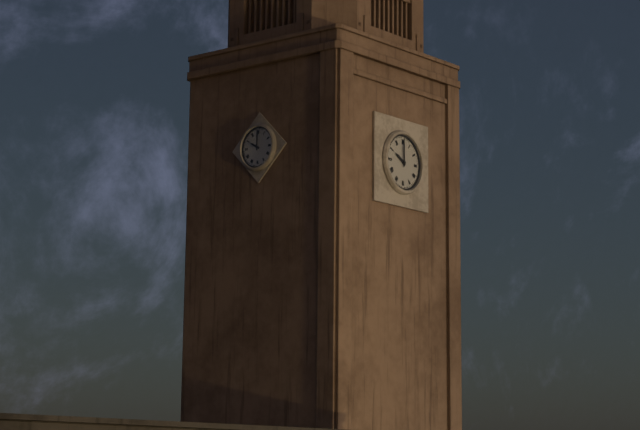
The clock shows h=10 m=0
